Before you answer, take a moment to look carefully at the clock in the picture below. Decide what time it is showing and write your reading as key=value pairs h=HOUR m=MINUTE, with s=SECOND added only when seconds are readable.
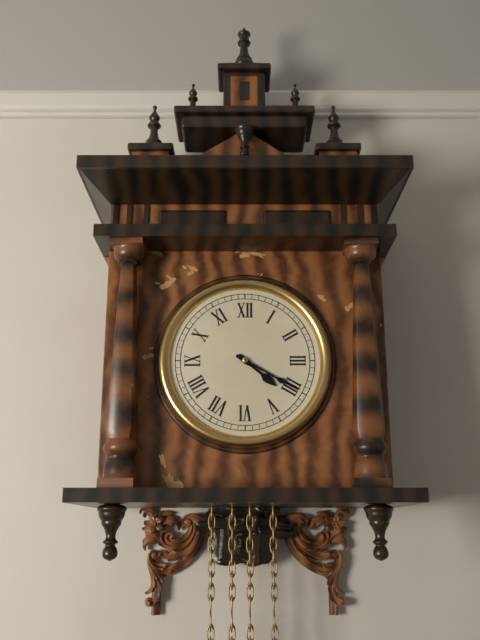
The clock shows h=4 m=20
